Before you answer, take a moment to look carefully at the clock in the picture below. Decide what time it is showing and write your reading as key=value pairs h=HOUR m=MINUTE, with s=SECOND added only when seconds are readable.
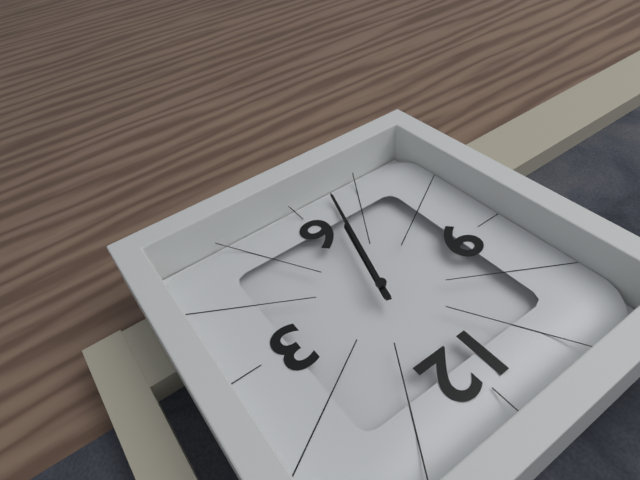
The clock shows h=6 m=33
